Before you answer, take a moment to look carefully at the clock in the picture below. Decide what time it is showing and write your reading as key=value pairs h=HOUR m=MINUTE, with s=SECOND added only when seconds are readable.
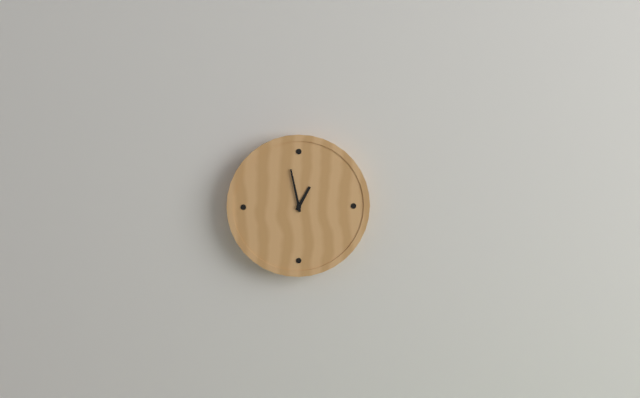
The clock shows h=12 m=58
